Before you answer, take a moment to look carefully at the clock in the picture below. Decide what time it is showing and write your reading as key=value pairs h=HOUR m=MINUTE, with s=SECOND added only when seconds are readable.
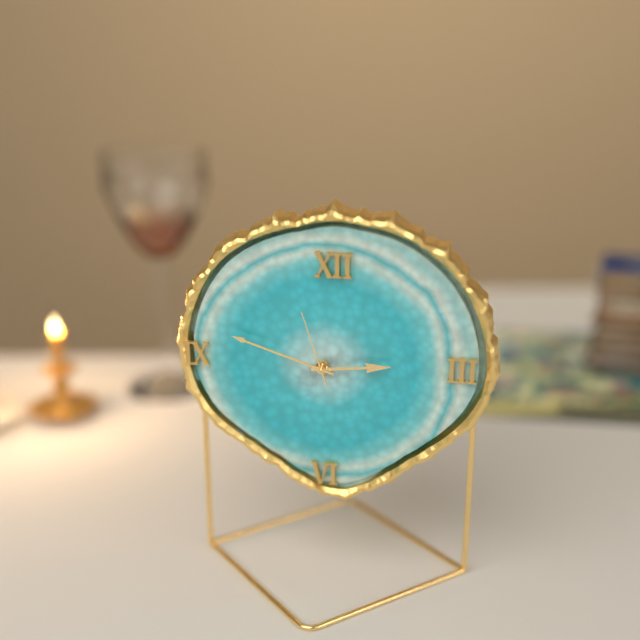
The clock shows h=2 m=48 s=57
